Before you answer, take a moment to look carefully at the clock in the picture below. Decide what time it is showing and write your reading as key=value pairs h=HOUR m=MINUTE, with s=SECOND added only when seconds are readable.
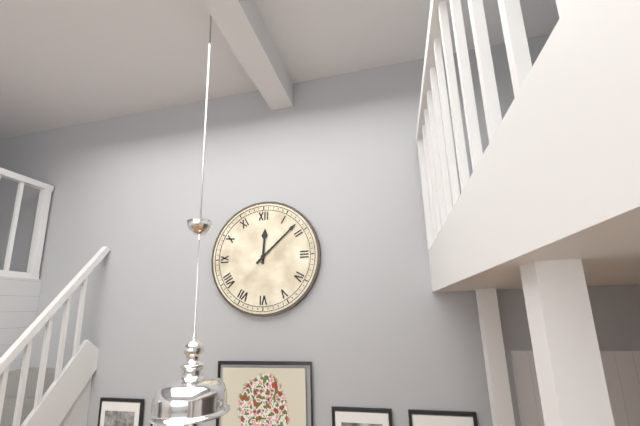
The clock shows h=12 m=8
